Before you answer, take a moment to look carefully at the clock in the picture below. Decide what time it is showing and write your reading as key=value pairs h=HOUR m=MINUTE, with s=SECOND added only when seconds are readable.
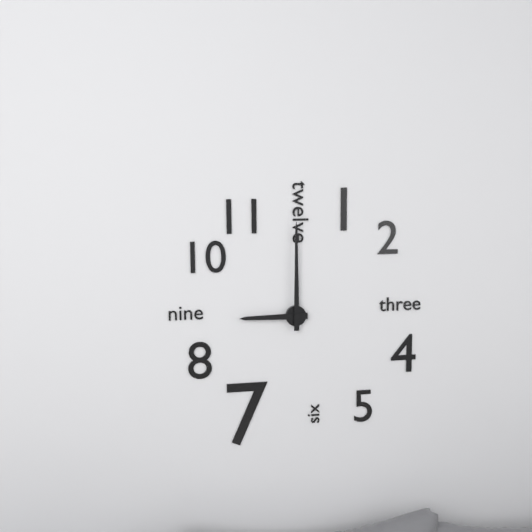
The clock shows h=9 m=0
